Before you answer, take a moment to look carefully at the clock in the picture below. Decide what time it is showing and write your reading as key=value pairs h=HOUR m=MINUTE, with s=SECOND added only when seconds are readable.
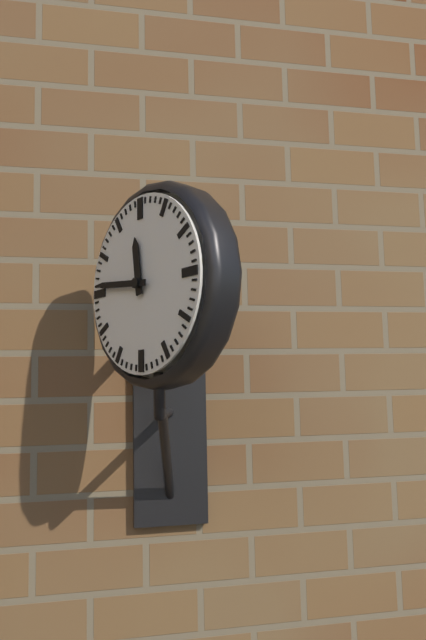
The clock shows h=11 m=46
